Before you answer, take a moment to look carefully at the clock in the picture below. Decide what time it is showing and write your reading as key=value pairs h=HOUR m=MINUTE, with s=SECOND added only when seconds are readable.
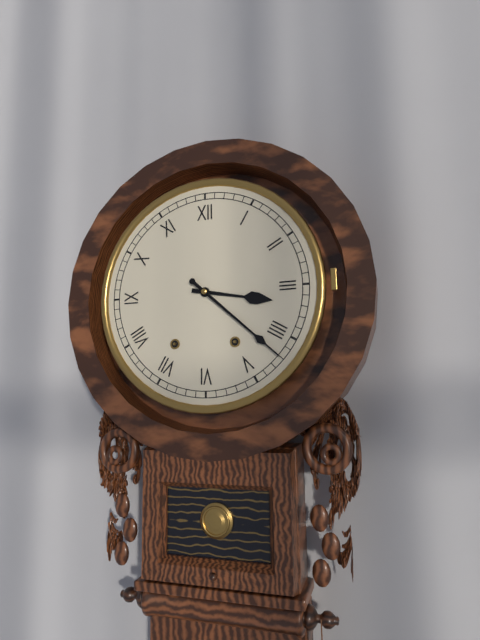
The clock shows h=3 m=22
